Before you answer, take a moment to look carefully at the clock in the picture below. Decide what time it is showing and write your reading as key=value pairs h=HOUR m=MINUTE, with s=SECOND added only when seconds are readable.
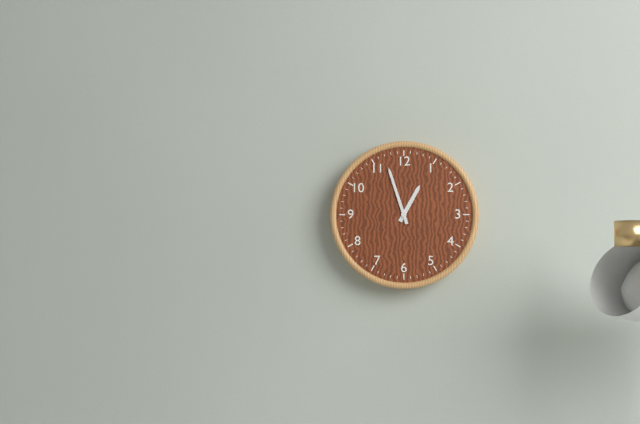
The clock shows h=12 m=57
